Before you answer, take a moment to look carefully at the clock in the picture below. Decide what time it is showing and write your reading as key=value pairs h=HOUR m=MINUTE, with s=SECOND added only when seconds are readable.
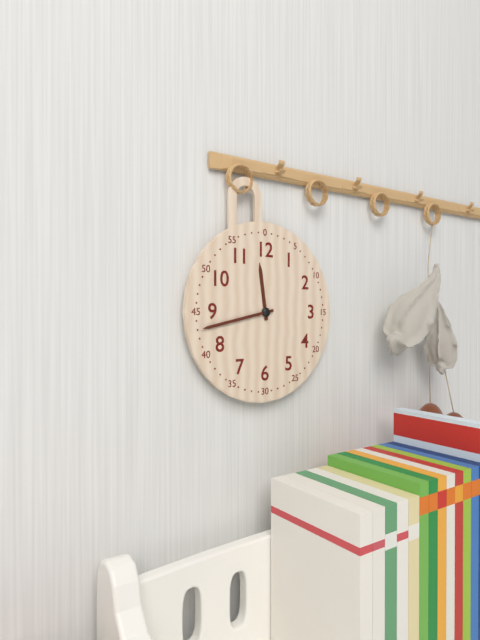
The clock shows h=11 m=43
